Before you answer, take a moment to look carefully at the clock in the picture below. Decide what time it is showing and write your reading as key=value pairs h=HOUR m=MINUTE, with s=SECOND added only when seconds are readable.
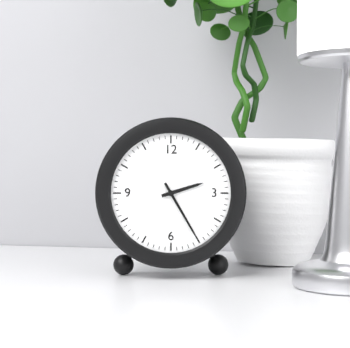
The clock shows h=2 m=25
